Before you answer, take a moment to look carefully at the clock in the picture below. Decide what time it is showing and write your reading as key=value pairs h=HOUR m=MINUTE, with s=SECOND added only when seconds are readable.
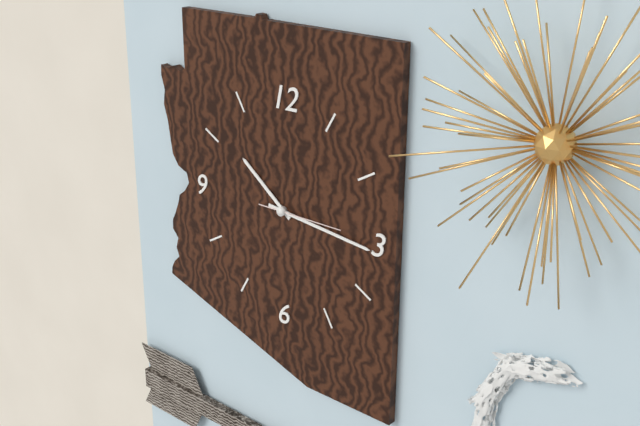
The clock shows h=10 m=16 s=15
